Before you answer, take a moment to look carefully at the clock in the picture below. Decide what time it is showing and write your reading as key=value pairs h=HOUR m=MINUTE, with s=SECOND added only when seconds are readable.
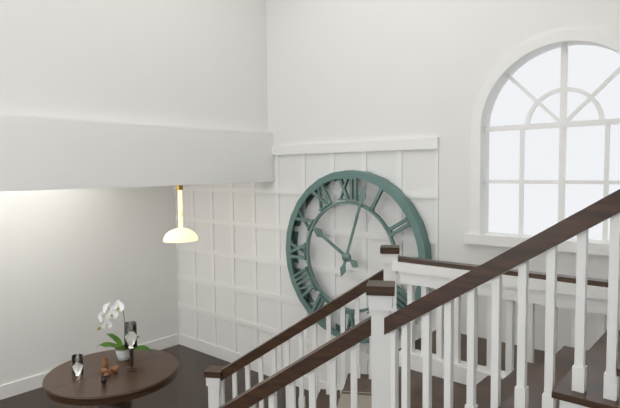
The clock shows h=10 m=3
